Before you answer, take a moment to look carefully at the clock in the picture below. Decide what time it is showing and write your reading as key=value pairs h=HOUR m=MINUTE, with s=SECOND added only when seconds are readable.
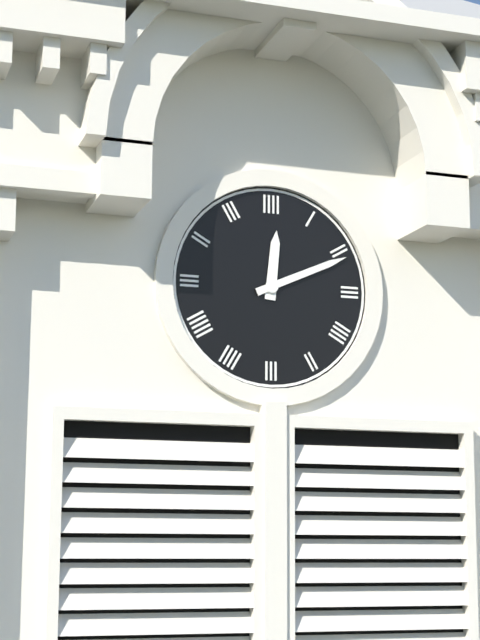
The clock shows h=12 m=11
